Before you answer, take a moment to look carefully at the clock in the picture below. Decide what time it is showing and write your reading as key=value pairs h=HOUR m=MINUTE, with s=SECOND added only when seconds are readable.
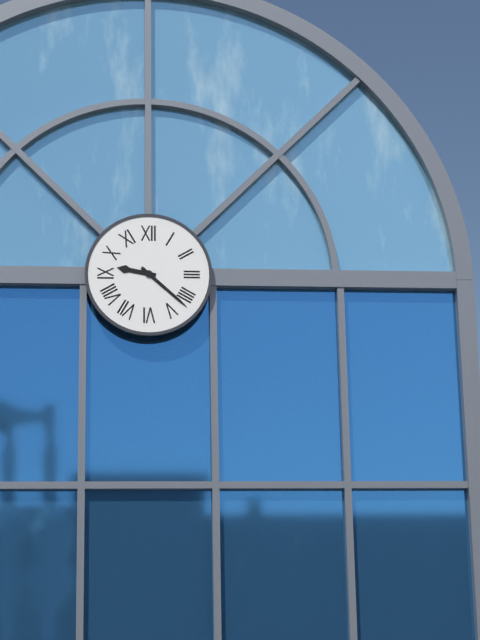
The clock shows h=9 m=22
